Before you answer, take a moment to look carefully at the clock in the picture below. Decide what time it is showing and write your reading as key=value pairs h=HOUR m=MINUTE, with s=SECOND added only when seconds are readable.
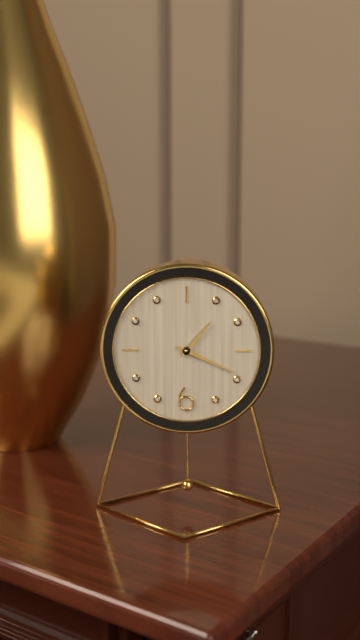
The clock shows h=1 m=19
